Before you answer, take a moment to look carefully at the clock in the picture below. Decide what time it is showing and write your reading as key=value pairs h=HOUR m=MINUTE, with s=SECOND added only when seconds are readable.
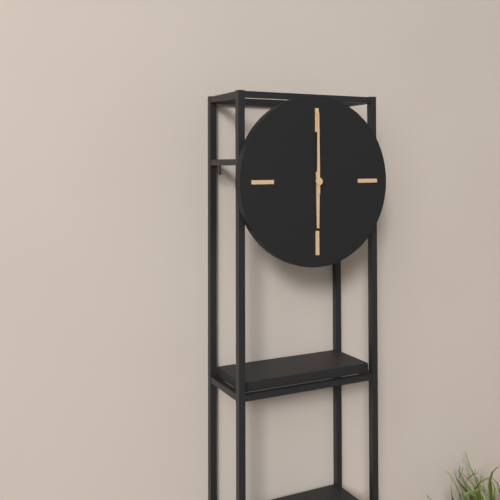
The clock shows h=6 m=0
